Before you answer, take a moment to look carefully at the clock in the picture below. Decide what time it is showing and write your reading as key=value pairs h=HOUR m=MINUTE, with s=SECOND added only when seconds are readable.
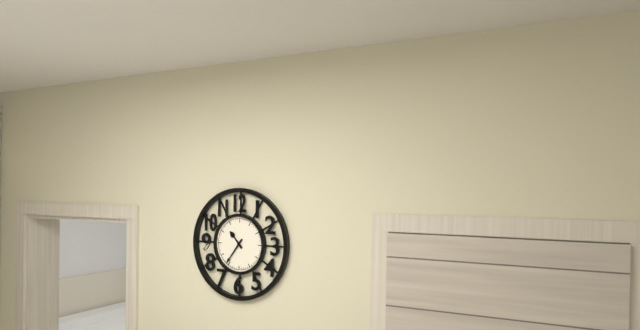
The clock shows h=10 m=36
